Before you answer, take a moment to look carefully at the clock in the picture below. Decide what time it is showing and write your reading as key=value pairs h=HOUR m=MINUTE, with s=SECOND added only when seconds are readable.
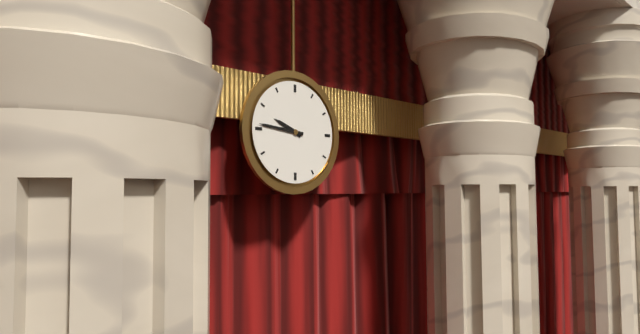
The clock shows h=9 m=46
